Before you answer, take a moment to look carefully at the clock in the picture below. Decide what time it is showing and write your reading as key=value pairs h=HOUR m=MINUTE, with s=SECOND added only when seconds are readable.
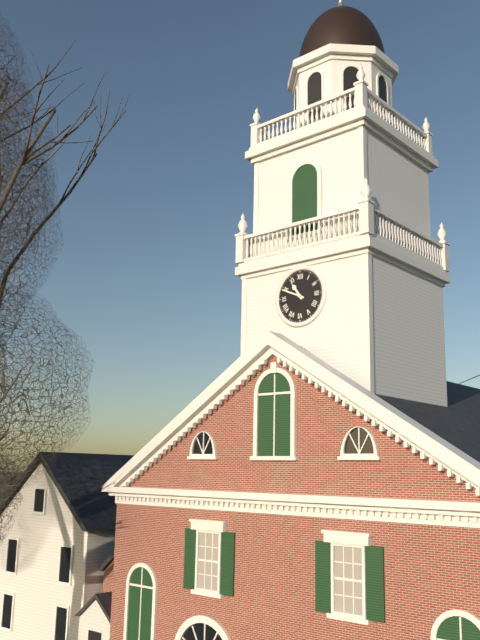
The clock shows h=10 m=49
